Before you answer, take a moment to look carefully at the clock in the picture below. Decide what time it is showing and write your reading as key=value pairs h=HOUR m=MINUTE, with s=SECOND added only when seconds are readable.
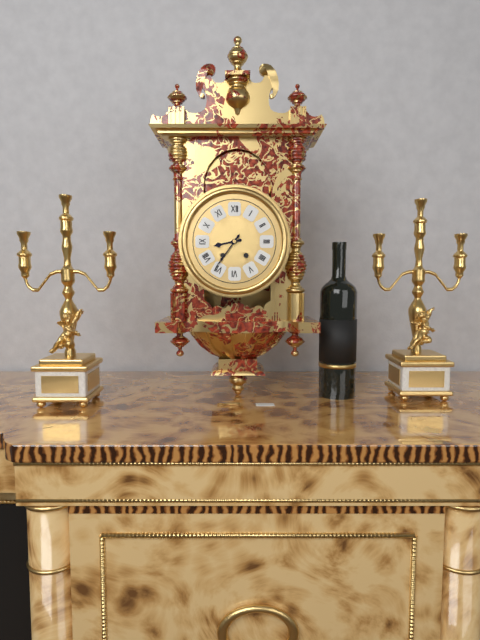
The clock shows h=8 m=36
